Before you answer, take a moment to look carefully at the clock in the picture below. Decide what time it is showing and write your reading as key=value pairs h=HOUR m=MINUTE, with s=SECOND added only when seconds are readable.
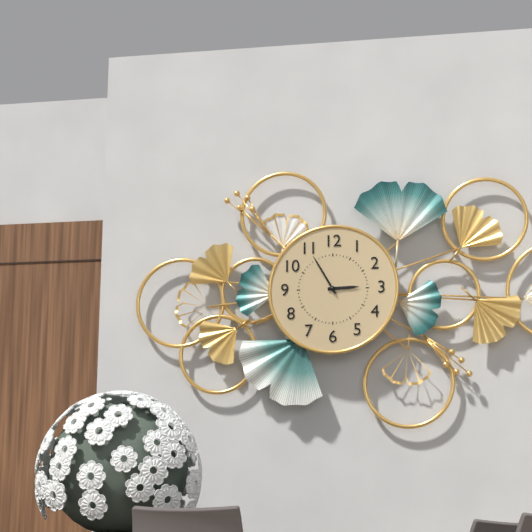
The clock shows h=2 m=55
